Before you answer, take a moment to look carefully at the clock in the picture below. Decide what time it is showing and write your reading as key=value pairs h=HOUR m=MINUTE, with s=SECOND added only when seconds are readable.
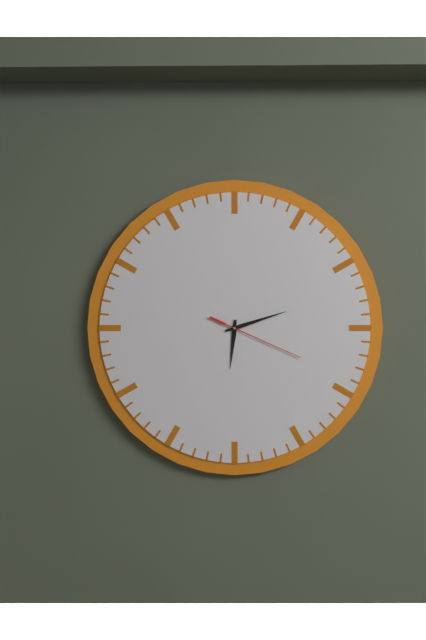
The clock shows h=6 m=12 s=19
